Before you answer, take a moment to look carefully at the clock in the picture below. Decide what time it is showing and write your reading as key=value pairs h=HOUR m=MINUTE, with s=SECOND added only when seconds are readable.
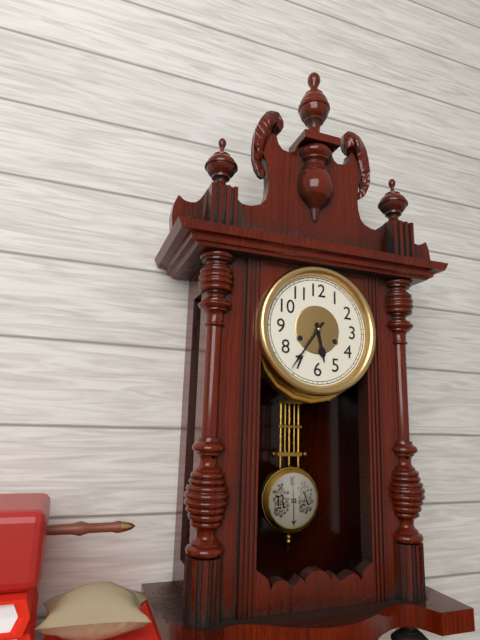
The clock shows h=5 m=36
